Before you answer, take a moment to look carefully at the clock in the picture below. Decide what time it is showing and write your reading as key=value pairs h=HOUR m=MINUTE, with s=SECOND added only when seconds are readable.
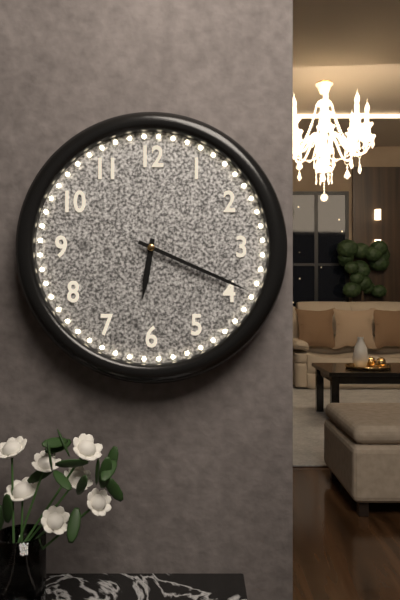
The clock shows h=6 m=19
